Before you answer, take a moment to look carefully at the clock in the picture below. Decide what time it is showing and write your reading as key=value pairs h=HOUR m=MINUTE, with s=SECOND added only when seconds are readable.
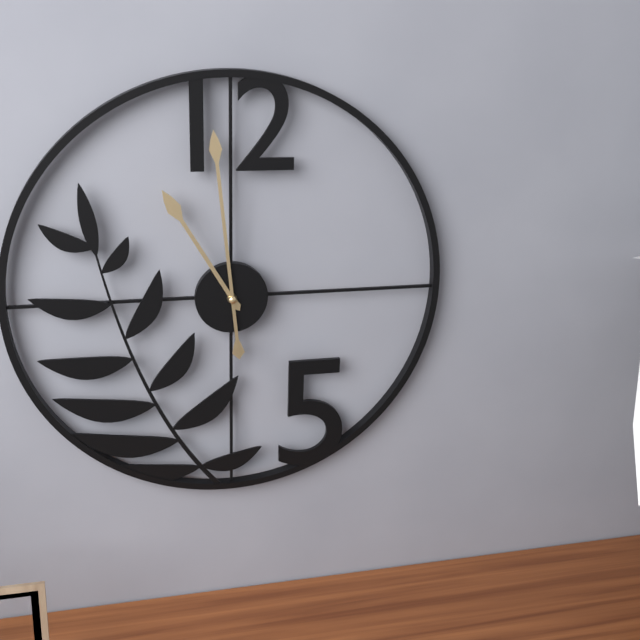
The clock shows h=10 m=59
